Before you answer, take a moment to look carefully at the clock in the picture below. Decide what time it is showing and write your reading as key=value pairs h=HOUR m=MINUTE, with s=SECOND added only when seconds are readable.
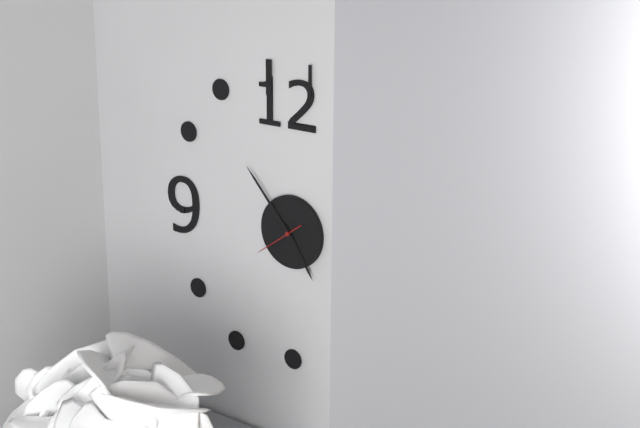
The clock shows h=4 m=53
